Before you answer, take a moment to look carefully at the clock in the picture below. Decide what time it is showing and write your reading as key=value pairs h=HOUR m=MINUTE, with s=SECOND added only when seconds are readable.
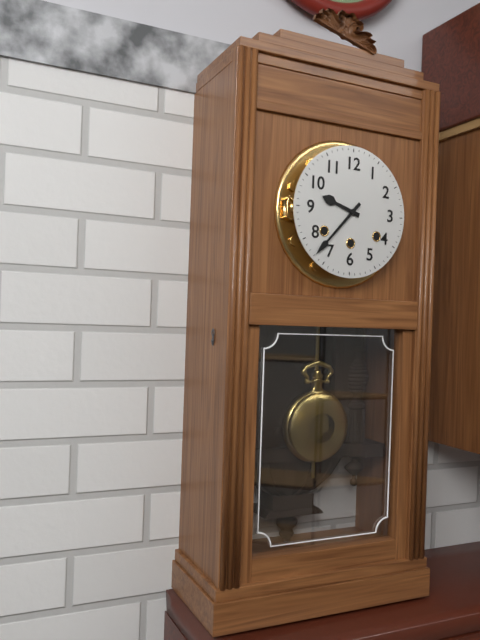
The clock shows h=9 m=37
